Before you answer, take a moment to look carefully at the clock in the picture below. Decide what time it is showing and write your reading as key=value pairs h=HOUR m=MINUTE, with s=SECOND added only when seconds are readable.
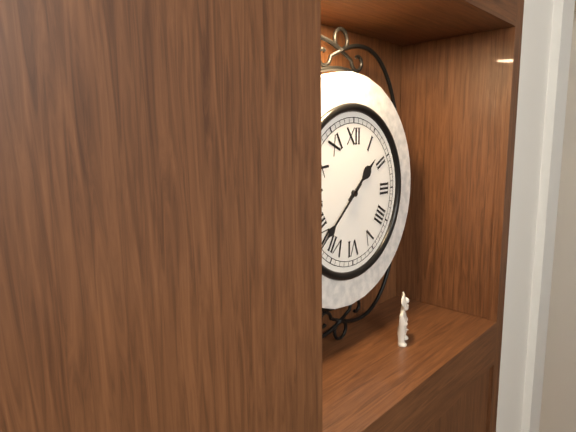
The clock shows h=1 m=38
